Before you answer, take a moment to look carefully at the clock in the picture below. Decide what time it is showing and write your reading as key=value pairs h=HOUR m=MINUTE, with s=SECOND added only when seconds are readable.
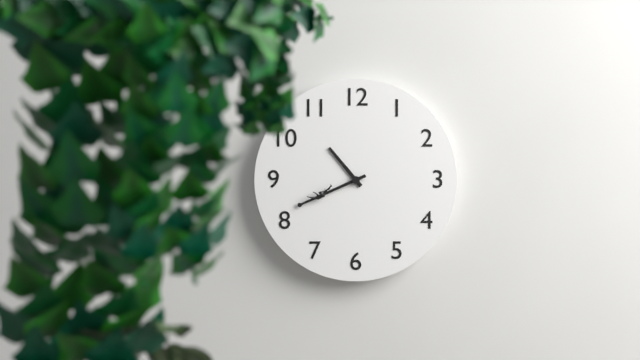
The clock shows h=10 m=41
